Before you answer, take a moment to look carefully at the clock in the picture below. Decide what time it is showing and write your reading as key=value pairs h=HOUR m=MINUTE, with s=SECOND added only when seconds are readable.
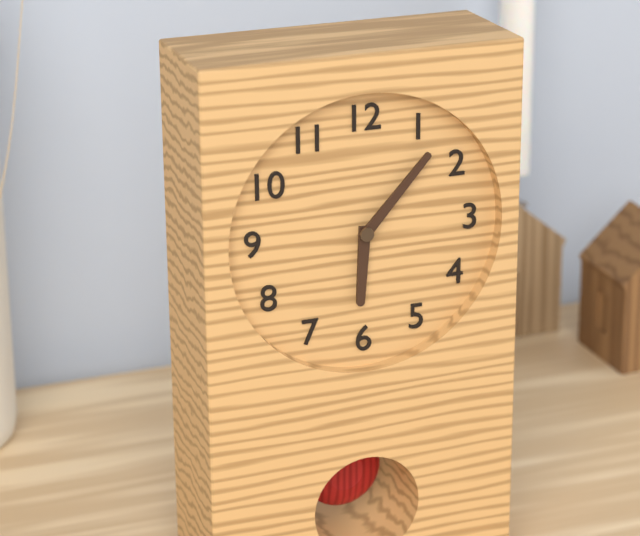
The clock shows h=6 m=7
